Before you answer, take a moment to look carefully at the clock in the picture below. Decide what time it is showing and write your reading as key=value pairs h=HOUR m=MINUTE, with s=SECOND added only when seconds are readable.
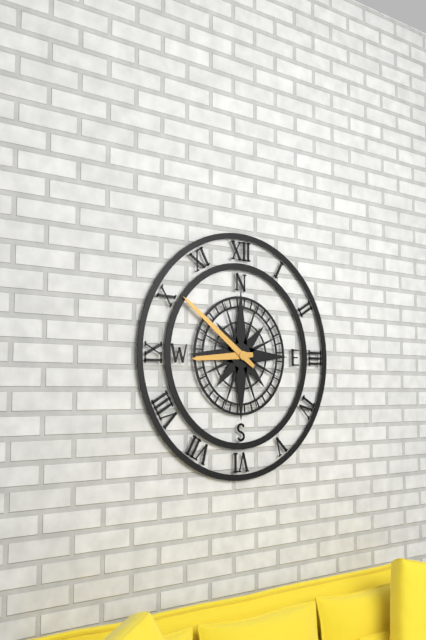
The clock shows h=8 m=51
